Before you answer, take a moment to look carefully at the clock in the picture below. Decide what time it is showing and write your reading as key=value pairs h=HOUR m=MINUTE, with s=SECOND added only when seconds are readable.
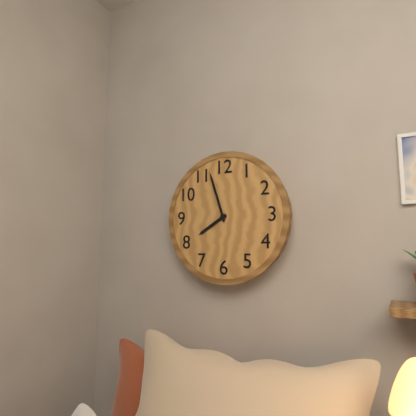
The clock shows h=7 m=57
